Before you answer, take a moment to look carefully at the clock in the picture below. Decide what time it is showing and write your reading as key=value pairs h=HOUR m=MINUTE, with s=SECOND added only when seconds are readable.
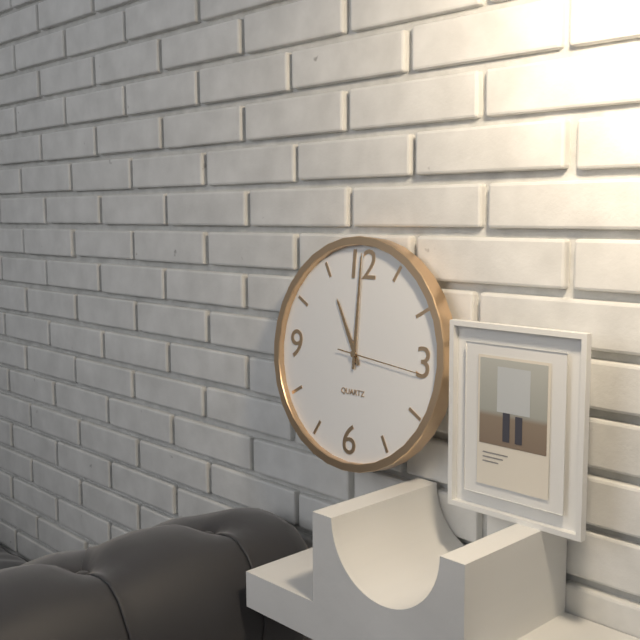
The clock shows h=11 m=0 s=16
